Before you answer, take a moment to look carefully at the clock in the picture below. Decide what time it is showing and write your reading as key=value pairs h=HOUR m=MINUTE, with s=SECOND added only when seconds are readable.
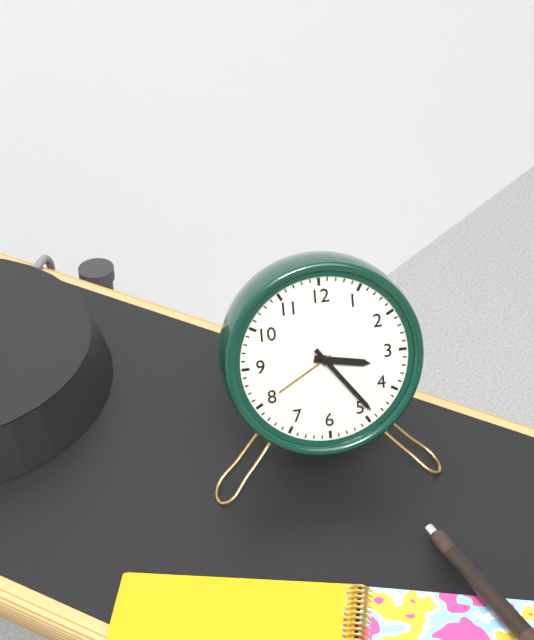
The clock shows h=3 m=24
